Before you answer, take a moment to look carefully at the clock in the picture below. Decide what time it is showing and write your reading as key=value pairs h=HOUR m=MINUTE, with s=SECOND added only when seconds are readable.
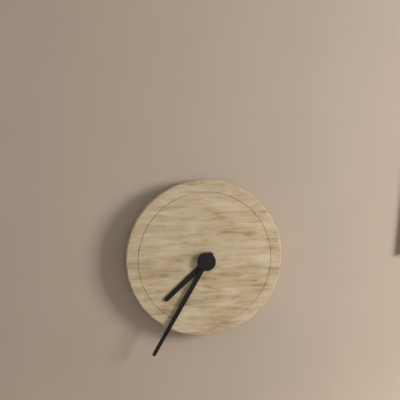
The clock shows h=7 m=35
